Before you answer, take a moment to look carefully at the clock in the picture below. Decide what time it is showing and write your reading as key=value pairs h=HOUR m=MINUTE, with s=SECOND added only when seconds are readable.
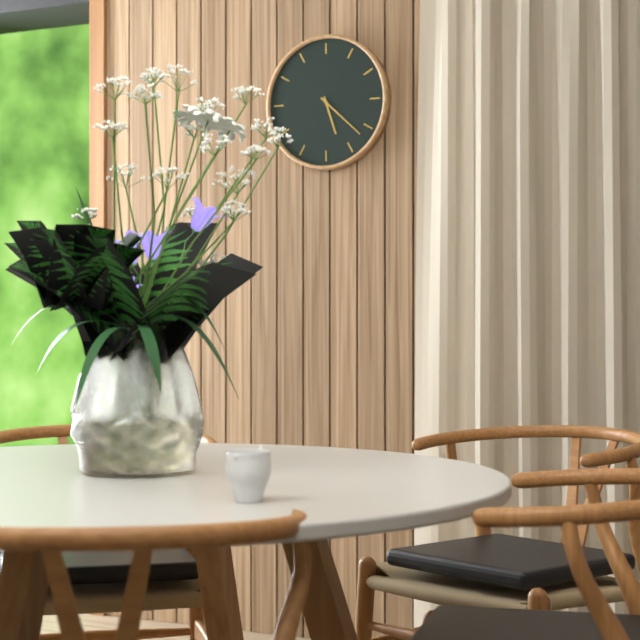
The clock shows h=5 m=22
